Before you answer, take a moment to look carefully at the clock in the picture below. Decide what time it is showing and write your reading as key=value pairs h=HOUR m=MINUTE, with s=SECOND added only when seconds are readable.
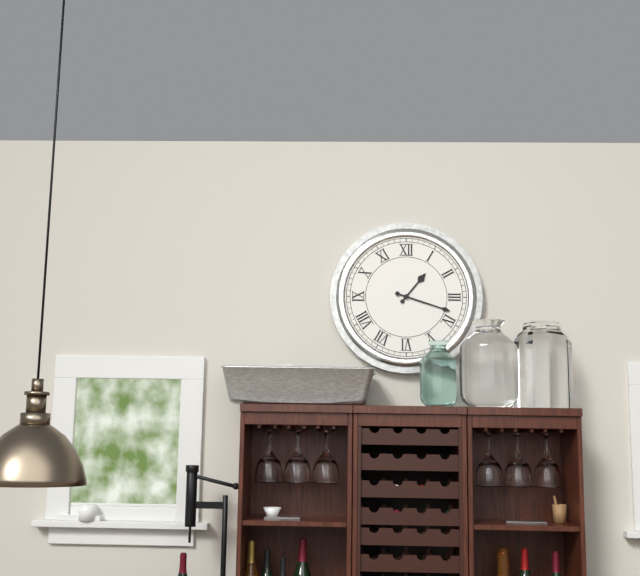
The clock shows h=1 m=18
